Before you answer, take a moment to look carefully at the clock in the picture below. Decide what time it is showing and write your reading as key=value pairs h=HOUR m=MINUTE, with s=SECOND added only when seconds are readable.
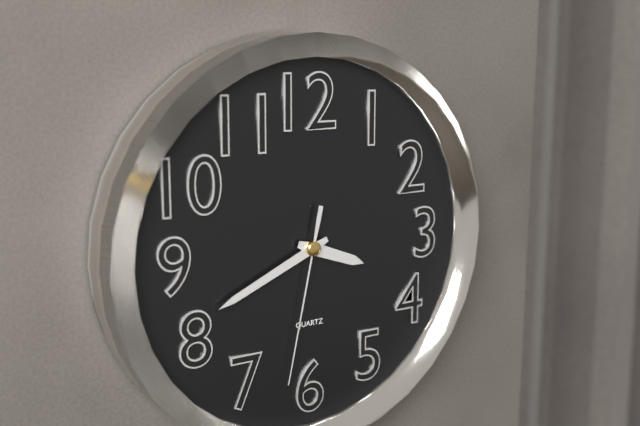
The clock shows h=3 m=41 s=32
